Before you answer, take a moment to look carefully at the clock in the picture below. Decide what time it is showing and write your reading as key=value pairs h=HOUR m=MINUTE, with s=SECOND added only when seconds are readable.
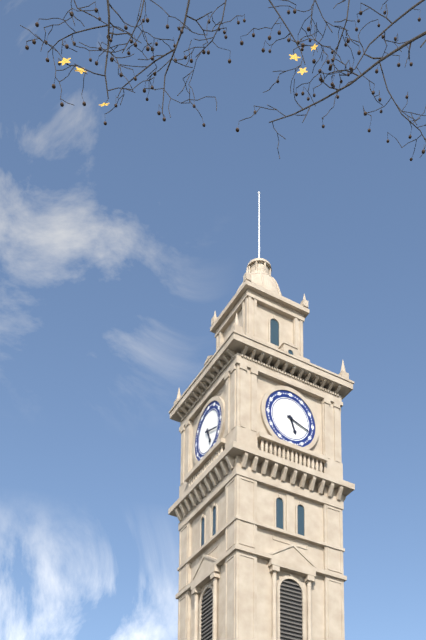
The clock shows h=5 m=18
